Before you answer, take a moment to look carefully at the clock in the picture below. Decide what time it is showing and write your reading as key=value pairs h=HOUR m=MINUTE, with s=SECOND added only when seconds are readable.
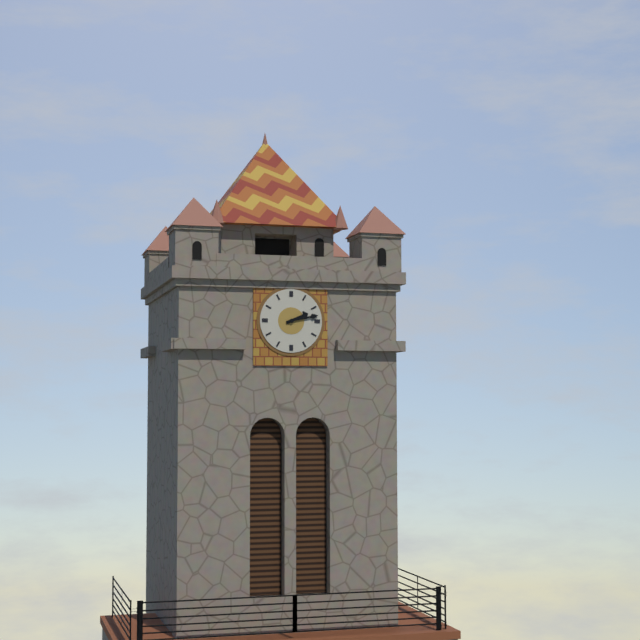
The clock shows h=2 m=13
